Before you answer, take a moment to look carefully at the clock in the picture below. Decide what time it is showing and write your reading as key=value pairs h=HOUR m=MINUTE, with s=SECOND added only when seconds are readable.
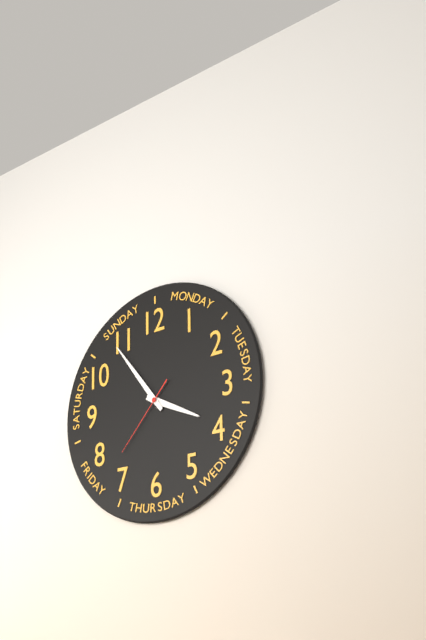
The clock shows h=3 m=54 s=37
